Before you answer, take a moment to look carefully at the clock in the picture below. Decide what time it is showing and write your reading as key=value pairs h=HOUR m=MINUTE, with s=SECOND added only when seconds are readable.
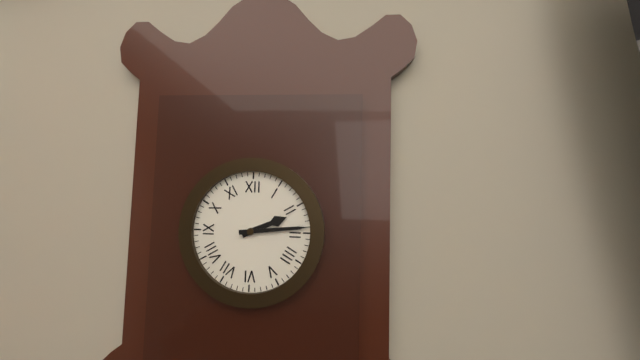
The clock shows h=2 m=14
